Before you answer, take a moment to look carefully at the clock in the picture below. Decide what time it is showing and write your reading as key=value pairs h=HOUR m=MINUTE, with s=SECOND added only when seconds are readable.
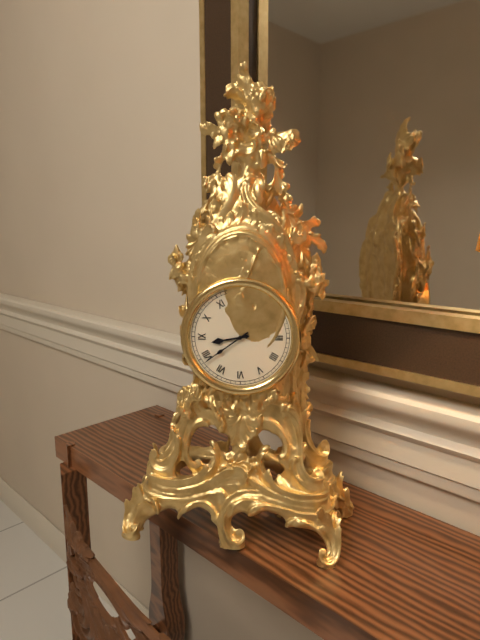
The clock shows h=8 m=39
